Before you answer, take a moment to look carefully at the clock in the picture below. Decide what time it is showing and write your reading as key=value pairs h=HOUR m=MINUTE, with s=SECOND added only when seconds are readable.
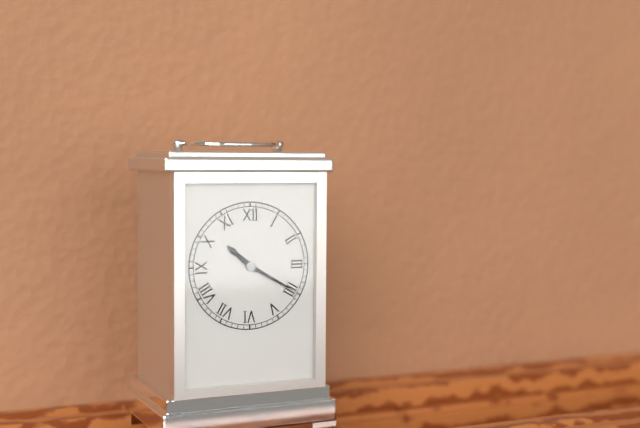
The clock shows h=10 m=20
